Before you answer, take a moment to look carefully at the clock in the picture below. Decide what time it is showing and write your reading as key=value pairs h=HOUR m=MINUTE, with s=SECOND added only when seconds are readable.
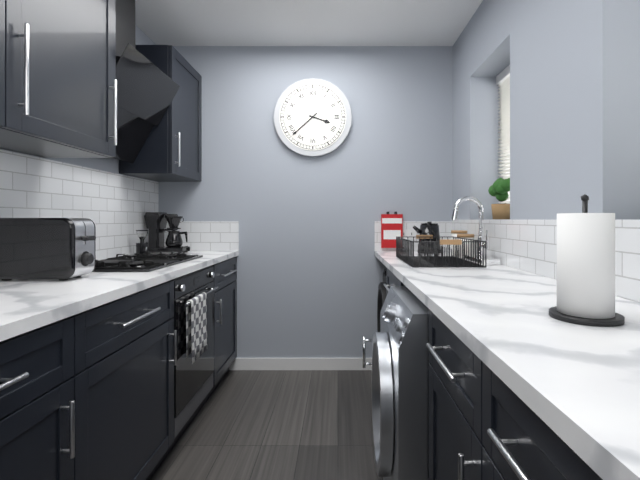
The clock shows h=3 m=38
